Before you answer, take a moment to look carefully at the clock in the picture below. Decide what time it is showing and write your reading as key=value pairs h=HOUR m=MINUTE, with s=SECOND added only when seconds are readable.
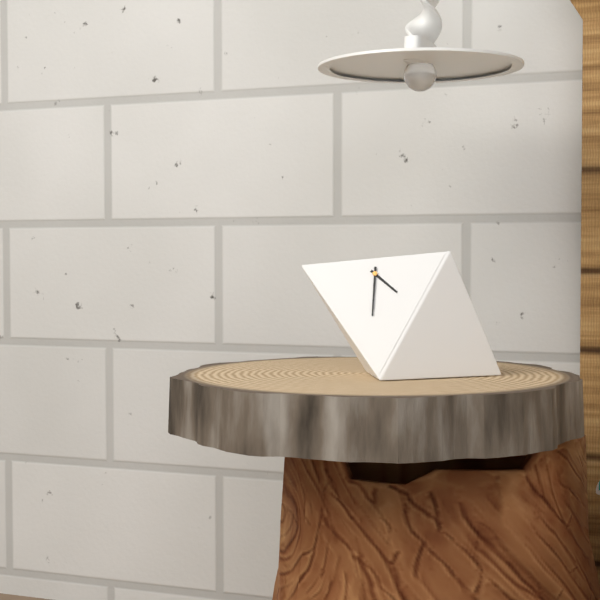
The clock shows h=4 m=31
